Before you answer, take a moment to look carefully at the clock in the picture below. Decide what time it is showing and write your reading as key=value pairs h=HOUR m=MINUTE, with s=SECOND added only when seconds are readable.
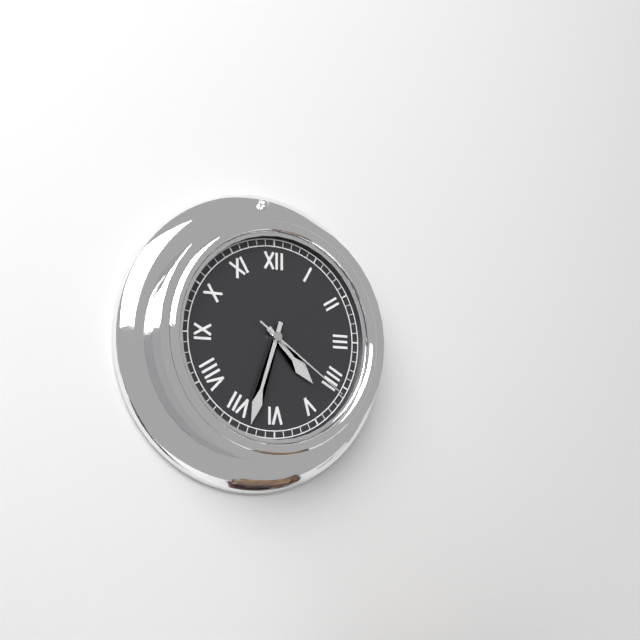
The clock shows h=4 m=33 s=21
